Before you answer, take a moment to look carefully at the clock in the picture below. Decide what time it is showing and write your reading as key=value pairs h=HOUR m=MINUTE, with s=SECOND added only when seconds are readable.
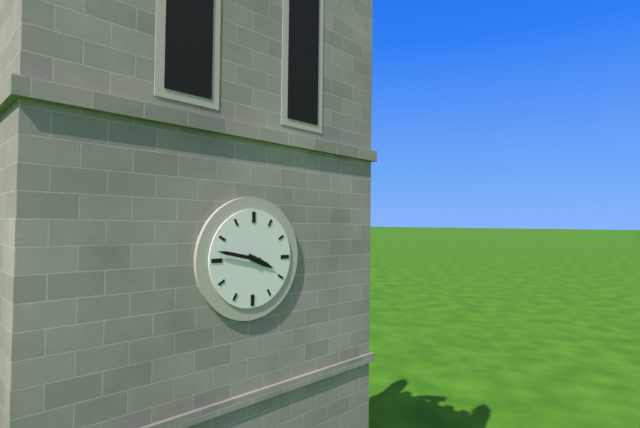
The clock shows h=3 m=47
